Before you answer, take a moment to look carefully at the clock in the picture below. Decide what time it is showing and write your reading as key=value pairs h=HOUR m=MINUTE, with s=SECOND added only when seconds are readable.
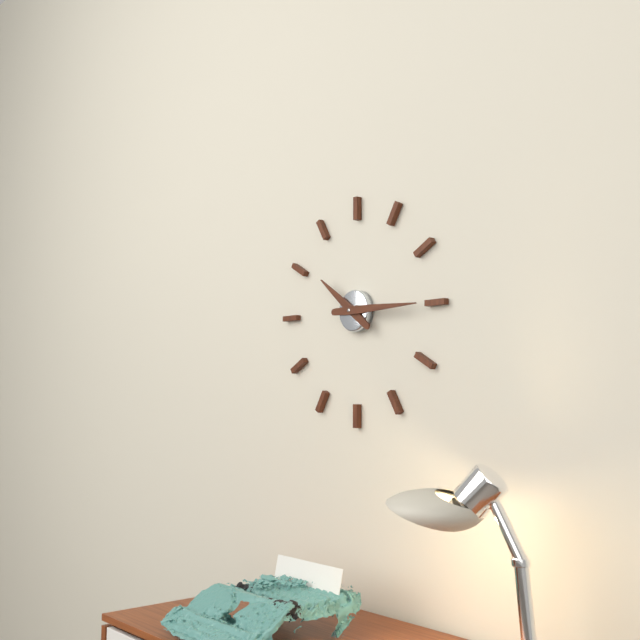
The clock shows h=10 m=15
